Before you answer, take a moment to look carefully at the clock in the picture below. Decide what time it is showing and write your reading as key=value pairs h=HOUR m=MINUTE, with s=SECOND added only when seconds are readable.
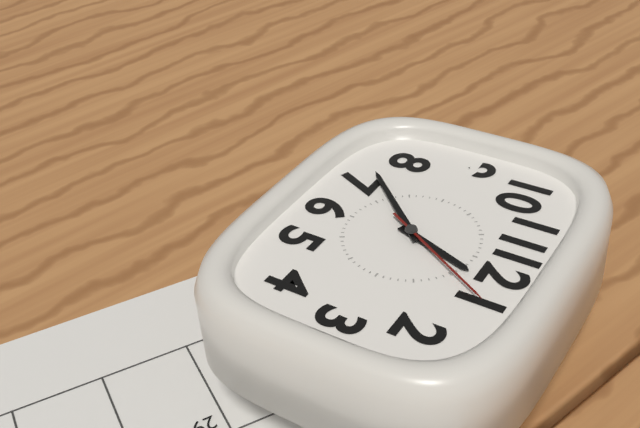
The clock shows h=12 m=37 s=5
